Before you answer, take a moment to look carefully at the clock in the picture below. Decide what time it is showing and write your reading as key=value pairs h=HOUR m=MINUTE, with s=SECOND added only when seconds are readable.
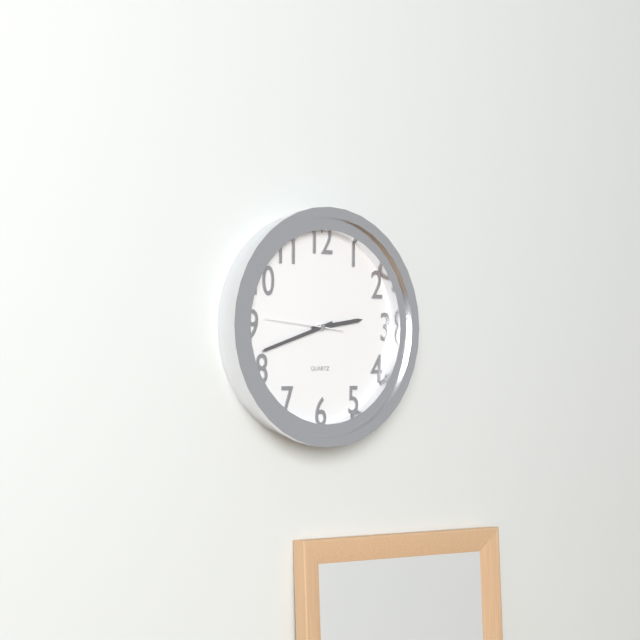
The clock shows h=2 m=42 s=46
